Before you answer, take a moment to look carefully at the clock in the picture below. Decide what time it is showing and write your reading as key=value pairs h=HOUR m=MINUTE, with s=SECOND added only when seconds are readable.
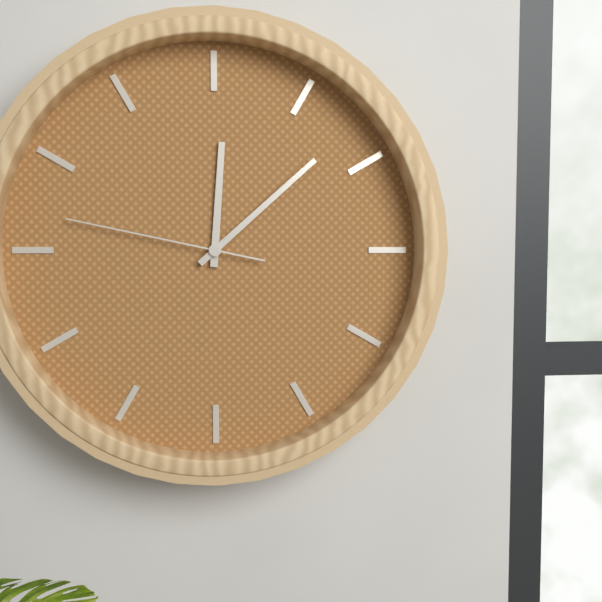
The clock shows h=12 m=8 s=47
